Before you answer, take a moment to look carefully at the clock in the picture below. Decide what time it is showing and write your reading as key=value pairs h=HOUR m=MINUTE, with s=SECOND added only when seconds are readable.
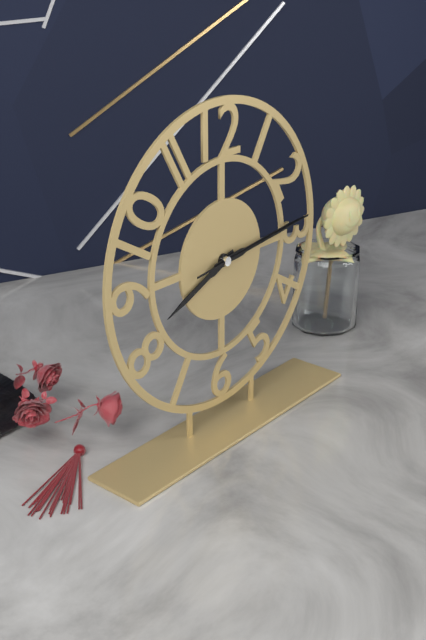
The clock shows h=8 m=14 s=14
